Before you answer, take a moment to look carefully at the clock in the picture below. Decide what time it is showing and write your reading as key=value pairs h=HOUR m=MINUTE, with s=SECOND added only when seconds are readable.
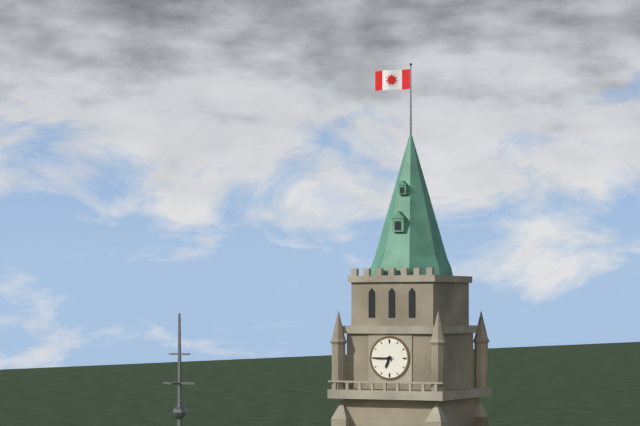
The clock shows h=6 m=45
